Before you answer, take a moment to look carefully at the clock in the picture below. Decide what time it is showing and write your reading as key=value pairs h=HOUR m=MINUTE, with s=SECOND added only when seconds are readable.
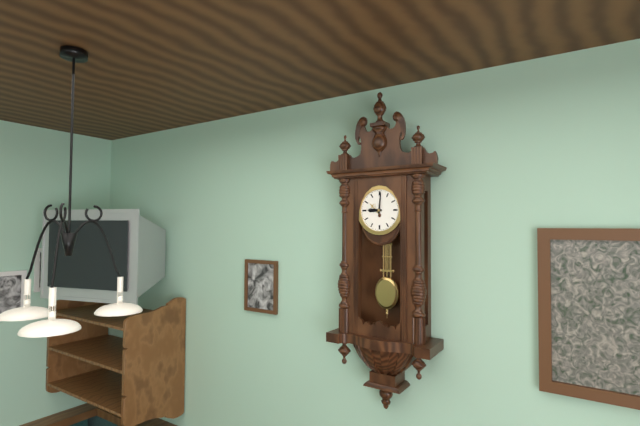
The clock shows h=9 m=1
